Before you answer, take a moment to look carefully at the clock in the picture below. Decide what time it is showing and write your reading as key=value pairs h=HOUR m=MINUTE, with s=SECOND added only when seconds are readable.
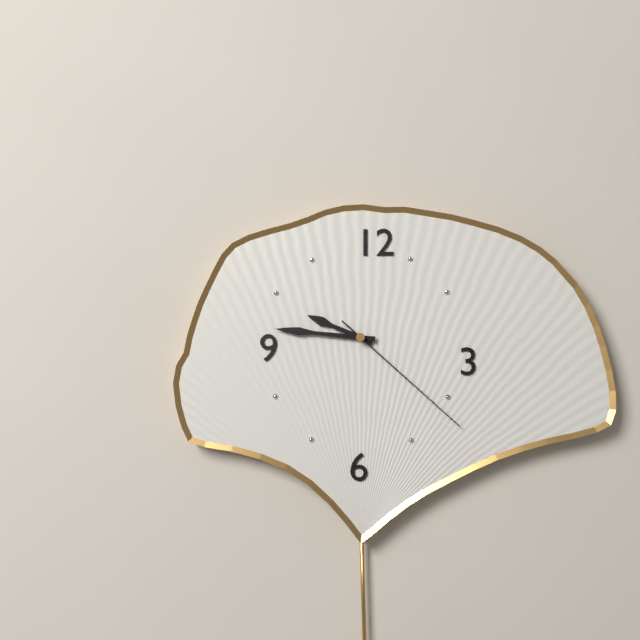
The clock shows h=9 m=46 s=22
